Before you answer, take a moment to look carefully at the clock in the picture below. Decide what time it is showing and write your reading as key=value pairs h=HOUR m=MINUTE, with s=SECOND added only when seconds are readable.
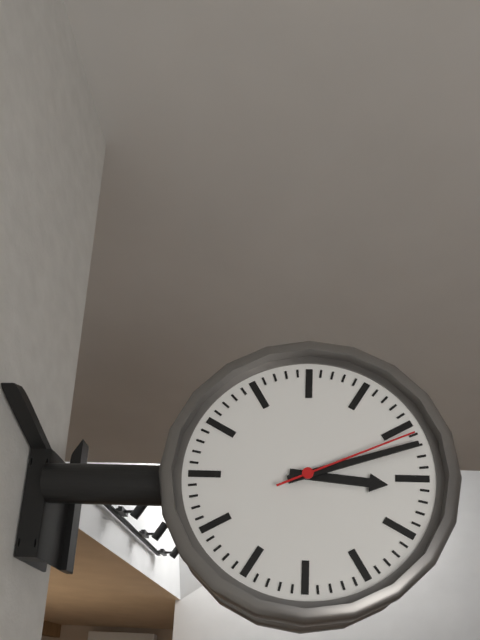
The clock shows h=3 m=12 s=11
